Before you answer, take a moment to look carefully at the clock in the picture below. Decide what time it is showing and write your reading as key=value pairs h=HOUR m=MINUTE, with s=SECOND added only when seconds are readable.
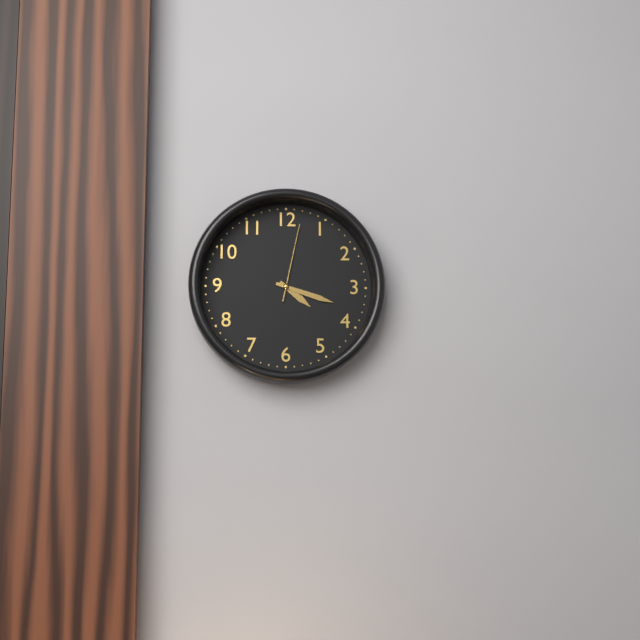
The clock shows h=4 m=18 s=2
